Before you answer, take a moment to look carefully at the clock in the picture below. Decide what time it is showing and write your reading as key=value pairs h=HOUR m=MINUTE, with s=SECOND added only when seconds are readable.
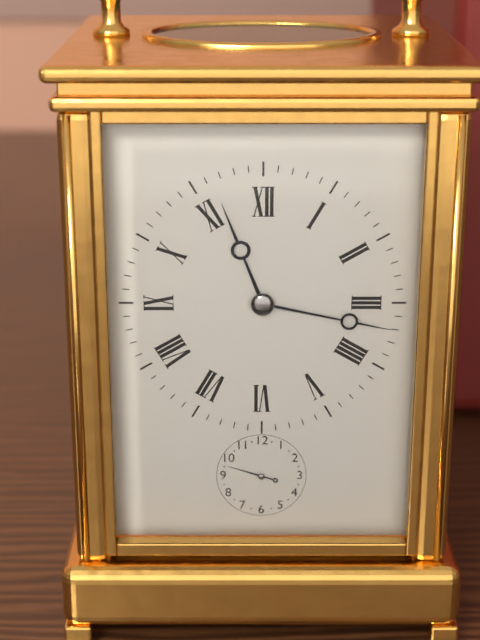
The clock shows h=11 m=17
